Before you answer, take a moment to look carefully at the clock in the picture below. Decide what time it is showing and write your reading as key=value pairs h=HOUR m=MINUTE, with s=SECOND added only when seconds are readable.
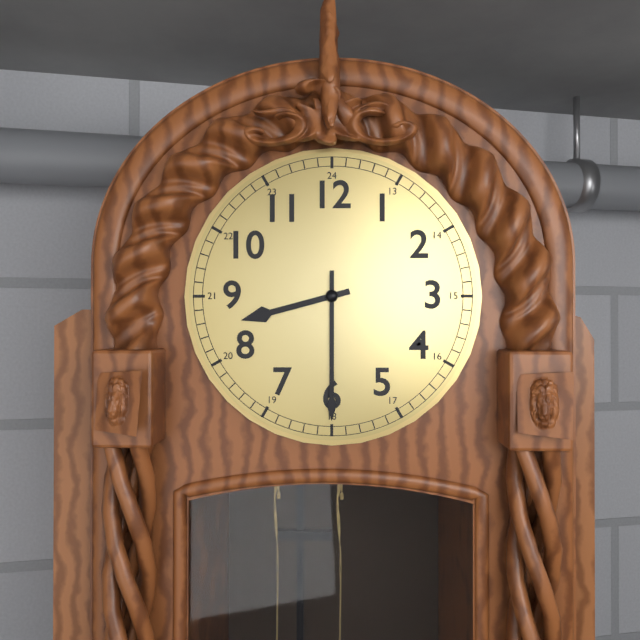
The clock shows h=8 m=30
